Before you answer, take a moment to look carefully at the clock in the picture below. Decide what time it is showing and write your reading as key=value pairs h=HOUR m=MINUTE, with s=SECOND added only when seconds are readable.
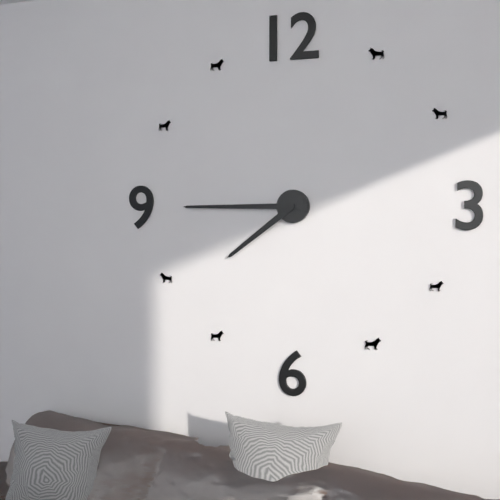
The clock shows h=7 m=45
